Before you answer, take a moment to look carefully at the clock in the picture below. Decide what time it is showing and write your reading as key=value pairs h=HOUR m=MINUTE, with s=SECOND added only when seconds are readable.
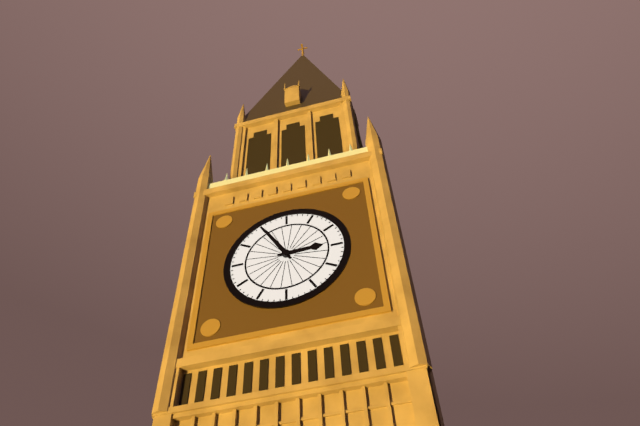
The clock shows h=2 m=55
